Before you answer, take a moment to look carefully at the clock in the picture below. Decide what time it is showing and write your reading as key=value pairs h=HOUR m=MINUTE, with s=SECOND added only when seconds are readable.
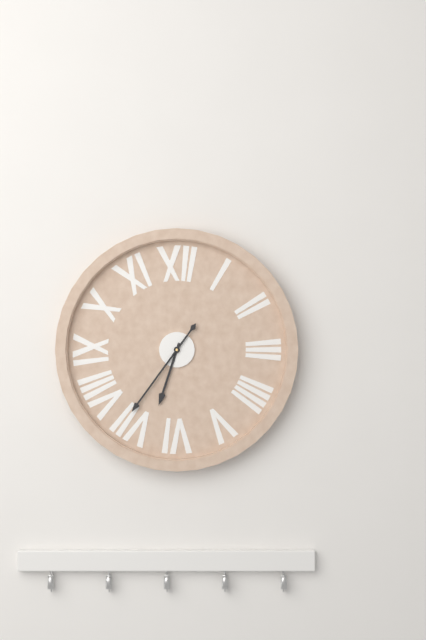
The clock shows h=6 m=36
